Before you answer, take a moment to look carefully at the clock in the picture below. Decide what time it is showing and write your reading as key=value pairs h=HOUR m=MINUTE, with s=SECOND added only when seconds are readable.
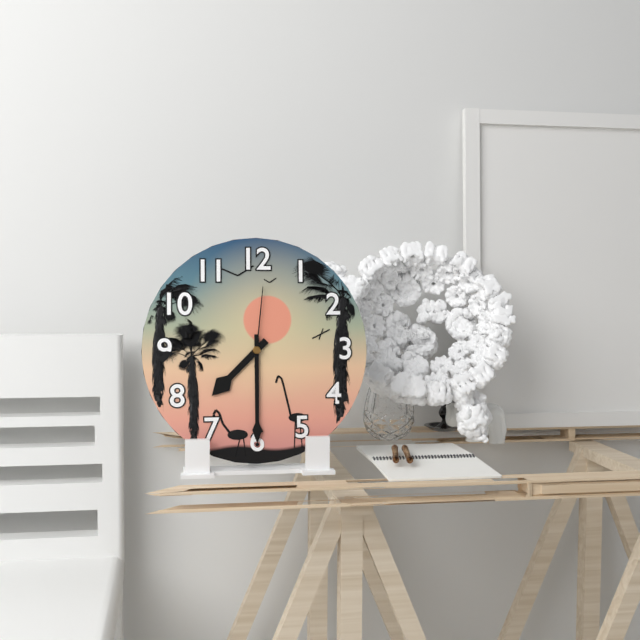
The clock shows h=7 m=30 s=1
